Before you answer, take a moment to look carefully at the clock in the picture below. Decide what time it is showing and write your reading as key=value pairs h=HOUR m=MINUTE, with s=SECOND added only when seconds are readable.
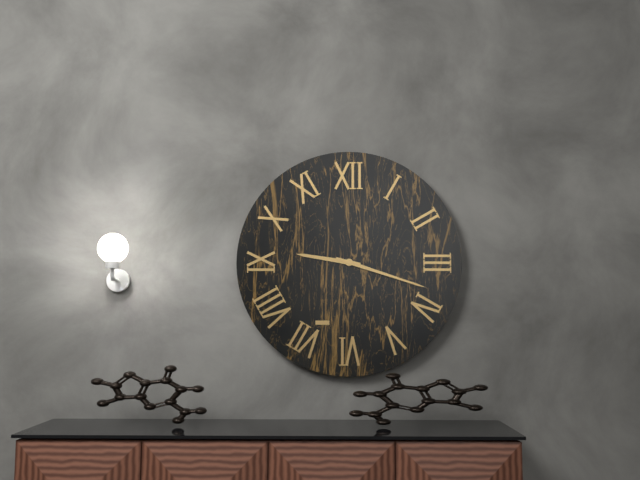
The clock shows h=9 m=18
